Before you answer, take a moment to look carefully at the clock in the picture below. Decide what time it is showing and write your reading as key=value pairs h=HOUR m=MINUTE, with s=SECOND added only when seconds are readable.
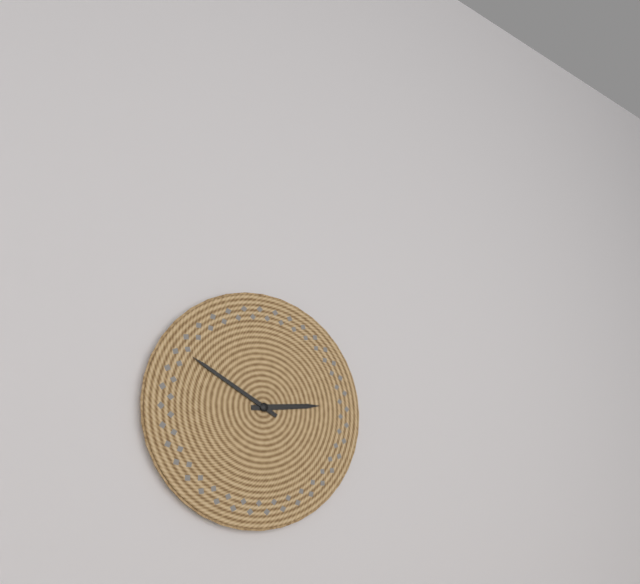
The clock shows h=2 m=50
